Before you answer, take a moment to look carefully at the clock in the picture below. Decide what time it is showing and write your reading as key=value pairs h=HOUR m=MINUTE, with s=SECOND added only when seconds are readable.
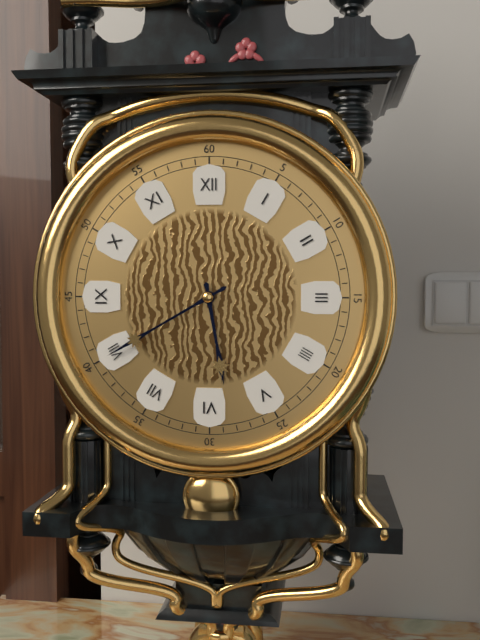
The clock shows h=5 m=40
